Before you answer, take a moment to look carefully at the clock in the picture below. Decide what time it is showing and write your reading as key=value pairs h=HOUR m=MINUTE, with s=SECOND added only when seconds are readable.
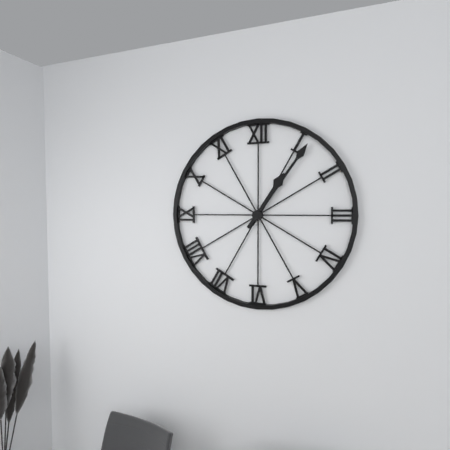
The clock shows h=1 m=6
